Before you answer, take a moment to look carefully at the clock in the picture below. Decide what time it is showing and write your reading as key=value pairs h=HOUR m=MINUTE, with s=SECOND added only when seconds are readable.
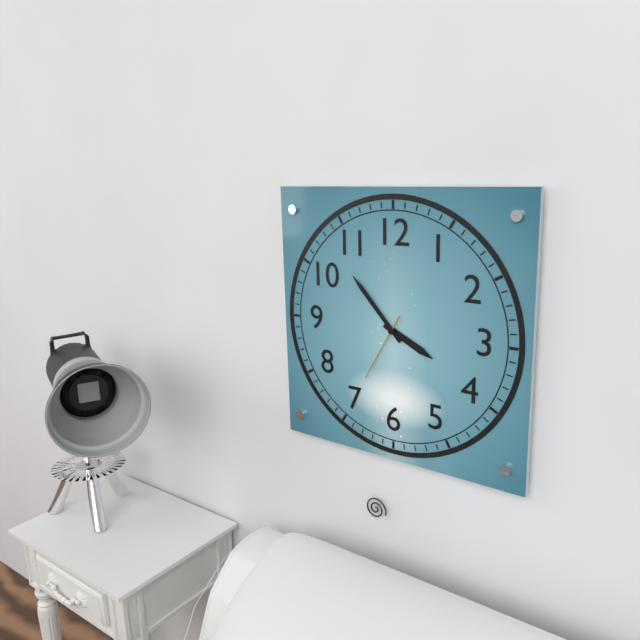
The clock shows h=3 m=53 s=35
